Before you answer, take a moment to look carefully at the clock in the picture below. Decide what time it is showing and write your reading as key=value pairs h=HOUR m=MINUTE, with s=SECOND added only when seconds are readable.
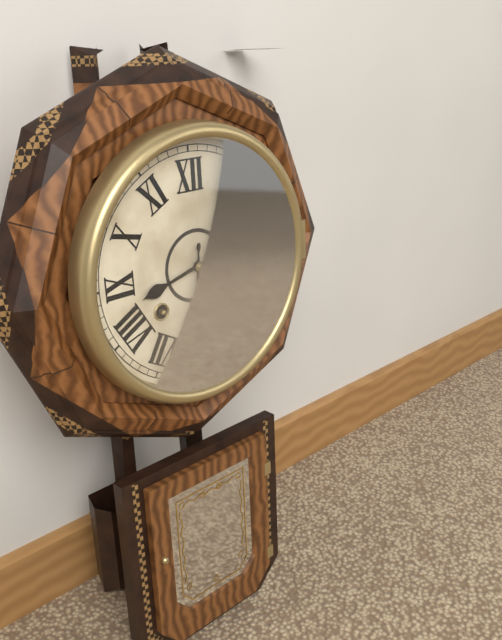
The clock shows h=8 m=31
